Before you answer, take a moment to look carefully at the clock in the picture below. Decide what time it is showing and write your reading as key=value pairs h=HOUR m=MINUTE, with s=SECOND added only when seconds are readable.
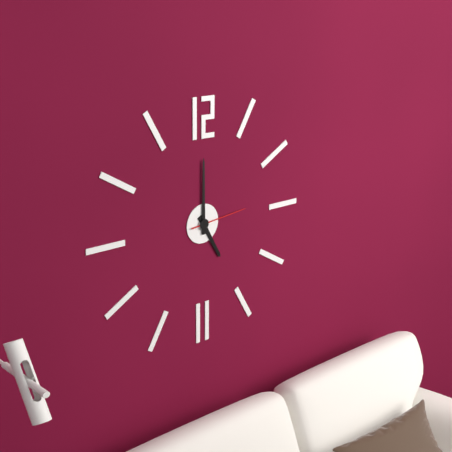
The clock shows h=5 m=0 s=14
